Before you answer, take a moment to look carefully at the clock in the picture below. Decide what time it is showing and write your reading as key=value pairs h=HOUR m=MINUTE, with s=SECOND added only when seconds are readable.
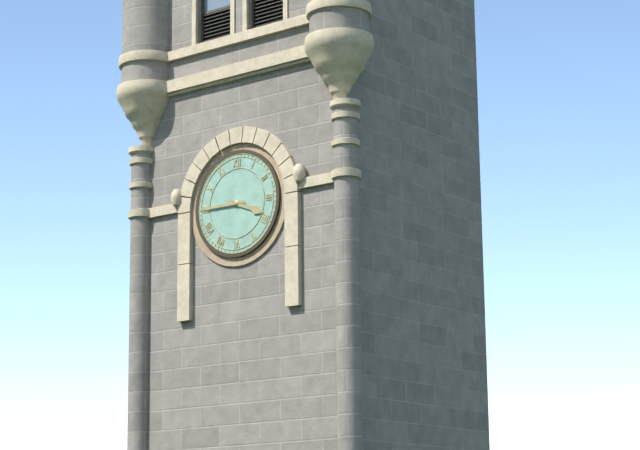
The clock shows h=3 m=45
